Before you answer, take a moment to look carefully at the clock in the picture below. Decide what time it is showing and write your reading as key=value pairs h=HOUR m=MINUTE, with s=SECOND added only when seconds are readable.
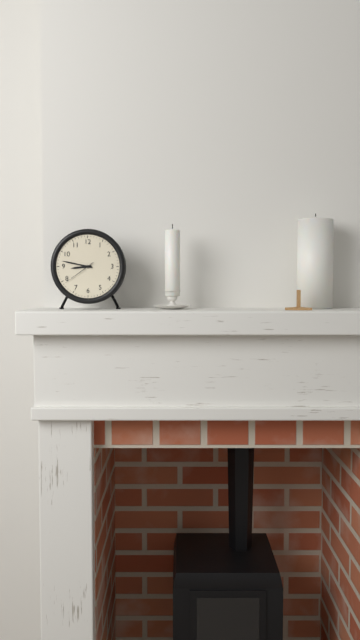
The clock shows h=8 m=47
